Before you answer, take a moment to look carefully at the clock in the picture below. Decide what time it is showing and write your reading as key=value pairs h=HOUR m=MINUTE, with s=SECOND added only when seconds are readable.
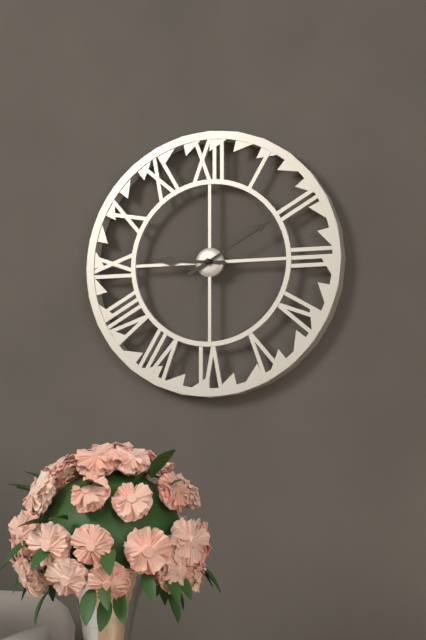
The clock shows h=9 m=10
